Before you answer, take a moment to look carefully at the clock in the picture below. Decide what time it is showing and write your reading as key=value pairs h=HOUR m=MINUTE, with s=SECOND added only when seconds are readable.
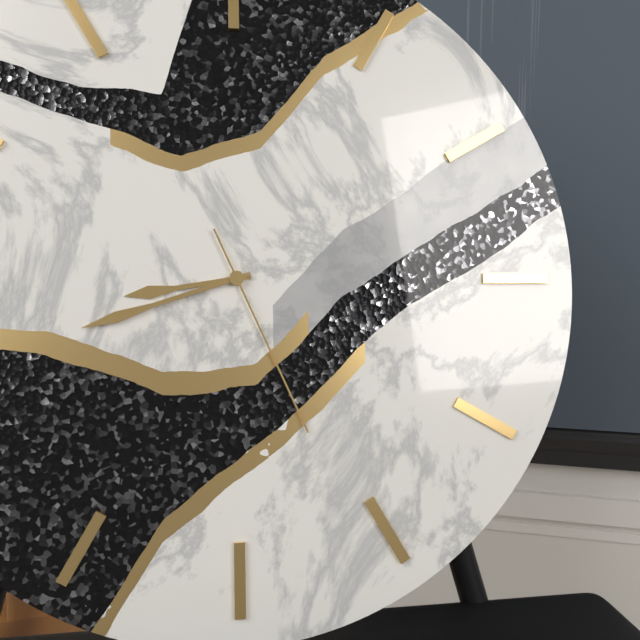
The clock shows h=8 m=42 s=26
